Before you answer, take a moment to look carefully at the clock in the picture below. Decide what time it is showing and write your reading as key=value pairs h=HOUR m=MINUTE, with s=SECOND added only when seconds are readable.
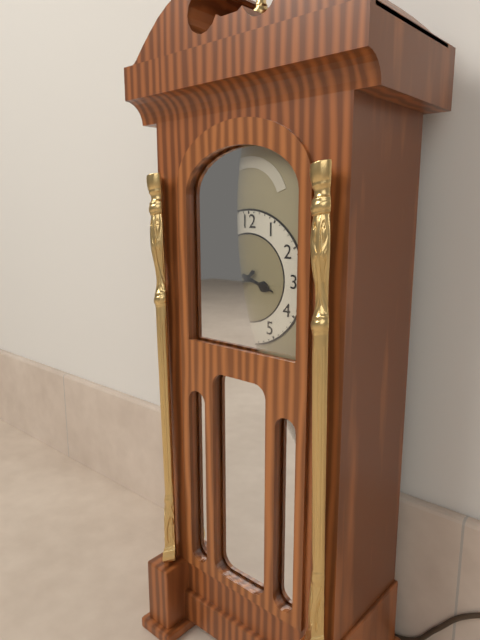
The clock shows h=3 m=38
